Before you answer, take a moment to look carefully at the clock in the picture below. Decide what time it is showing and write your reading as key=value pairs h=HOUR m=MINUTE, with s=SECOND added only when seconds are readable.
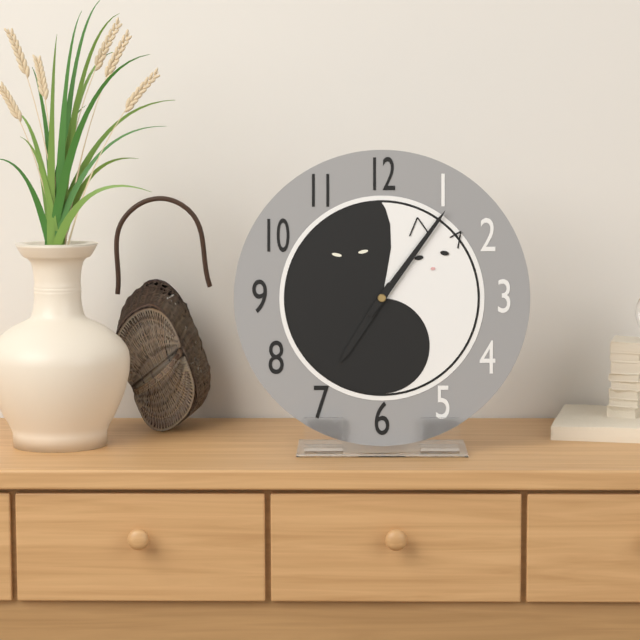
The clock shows h=7 m=6
